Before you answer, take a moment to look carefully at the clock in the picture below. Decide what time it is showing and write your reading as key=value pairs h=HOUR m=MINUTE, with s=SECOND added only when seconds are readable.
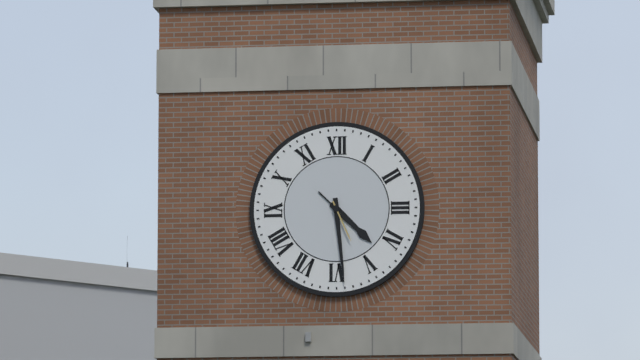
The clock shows h=4 m=29
